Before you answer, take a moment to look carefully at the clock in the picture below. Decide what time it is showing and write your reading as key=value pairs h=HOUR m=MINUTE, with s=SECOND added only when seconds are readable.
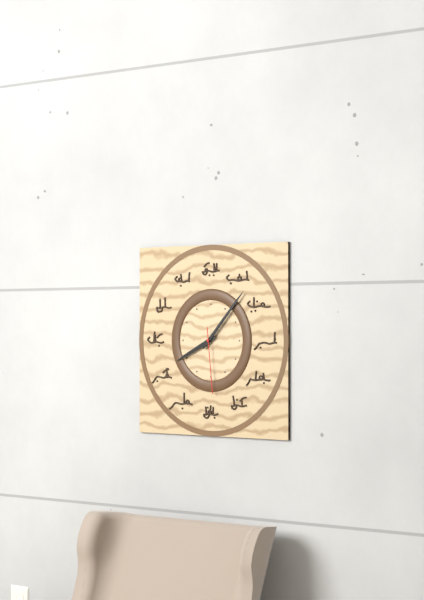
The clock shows h=8 m=7 s=29
